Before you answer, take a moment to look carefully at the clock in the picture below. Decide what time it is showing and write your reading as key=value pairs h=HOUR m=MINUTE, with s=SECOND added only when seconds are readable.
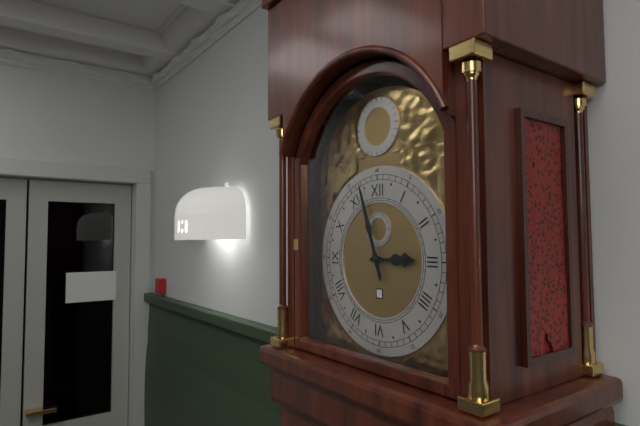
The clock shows h=2 m=57
